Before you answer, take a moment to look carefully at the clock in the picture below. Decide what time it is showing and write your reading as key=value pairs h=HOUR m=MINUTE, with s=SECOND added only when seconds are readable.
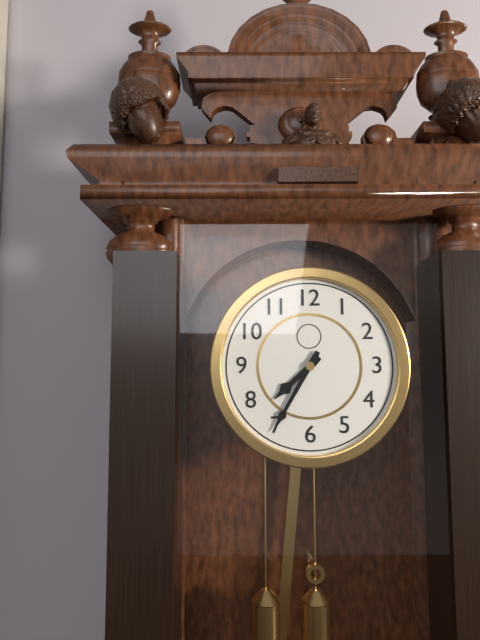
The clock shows h=7 m=35
